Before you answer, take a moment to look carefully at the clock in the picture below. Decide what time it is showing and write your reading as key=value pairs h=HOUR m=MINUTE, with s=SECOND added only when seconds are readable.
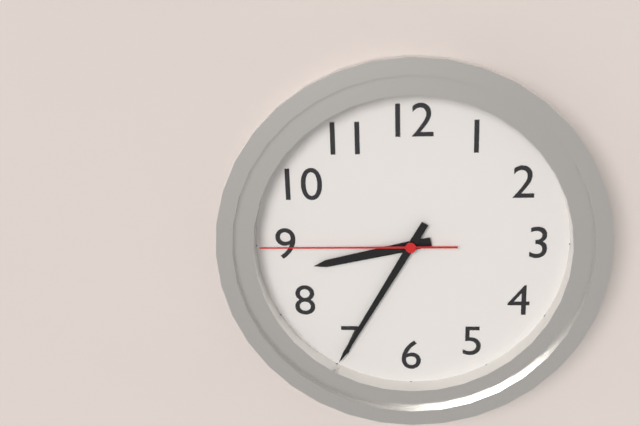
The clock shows h=8 m=35 s=45
